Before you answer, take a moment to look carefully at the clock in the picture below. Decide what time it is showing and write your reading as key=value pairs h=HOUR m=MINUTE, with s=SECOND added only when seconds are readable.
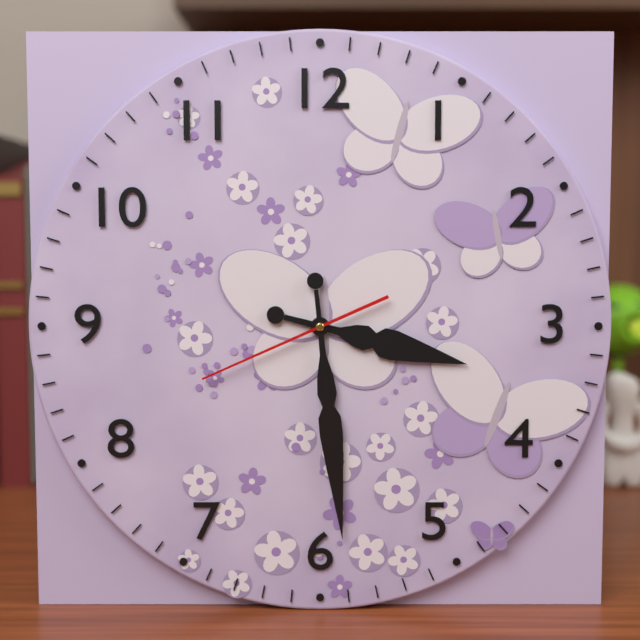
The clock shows h=3 m=29 s=41
